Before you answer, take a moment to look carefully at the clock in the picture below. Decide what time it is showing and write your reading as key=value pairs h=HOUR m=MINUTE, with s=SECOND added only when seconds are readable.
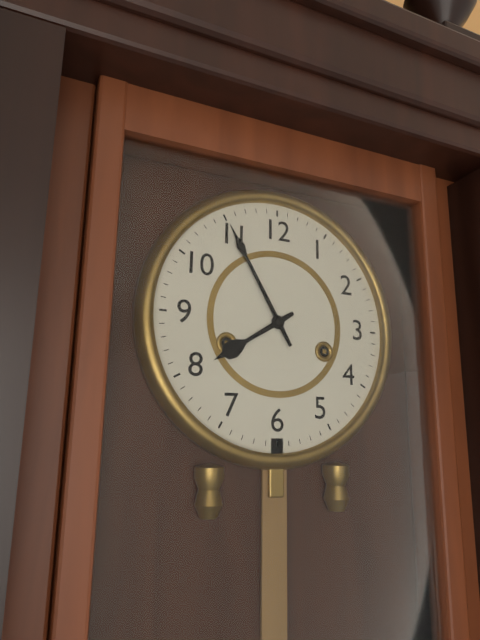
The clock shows h=7 m=55
